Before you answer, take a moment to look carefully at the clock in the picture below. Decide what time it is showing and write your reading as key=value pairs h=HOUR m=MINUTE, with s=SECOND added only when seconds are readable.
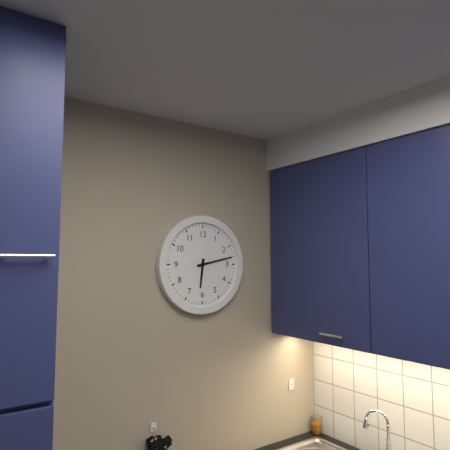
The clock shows h=6 m=13
